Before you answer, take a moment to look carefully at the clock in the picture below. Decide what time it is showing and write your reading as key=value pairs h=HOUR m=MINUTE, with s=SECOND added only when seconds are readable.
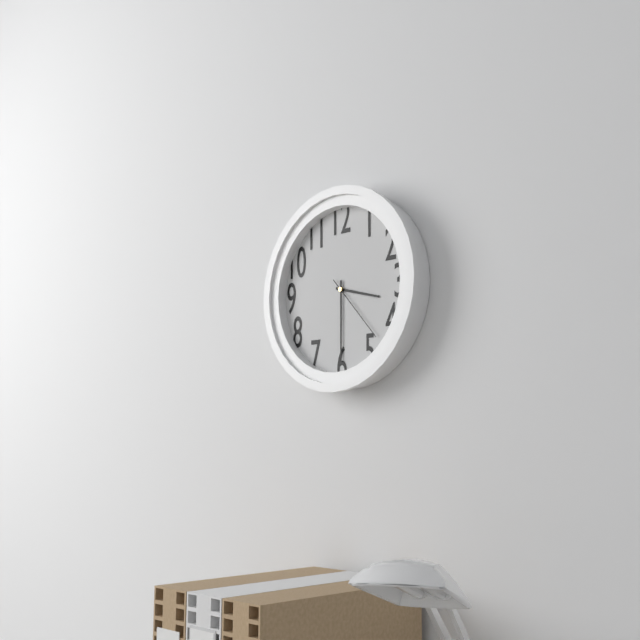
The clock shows h=3 m=30 s=23
